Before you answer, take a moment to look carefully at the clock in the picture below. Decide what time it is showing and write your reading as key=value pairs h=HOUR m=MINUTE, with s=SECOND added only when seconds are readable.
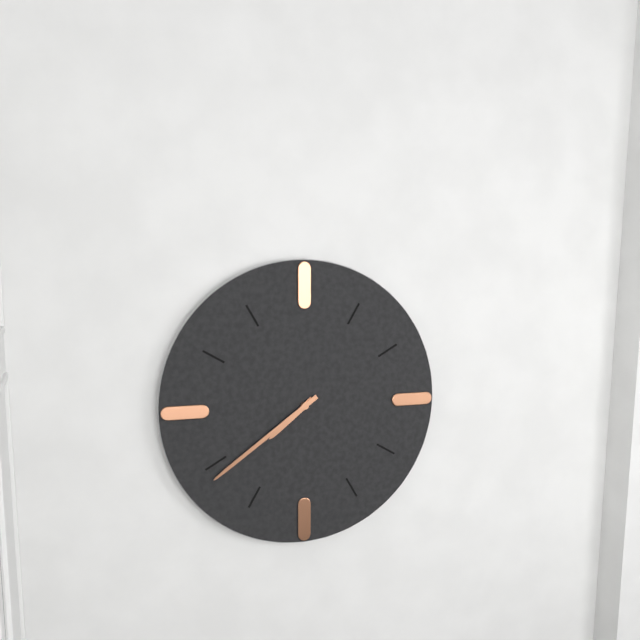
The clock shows h=7 m=39
